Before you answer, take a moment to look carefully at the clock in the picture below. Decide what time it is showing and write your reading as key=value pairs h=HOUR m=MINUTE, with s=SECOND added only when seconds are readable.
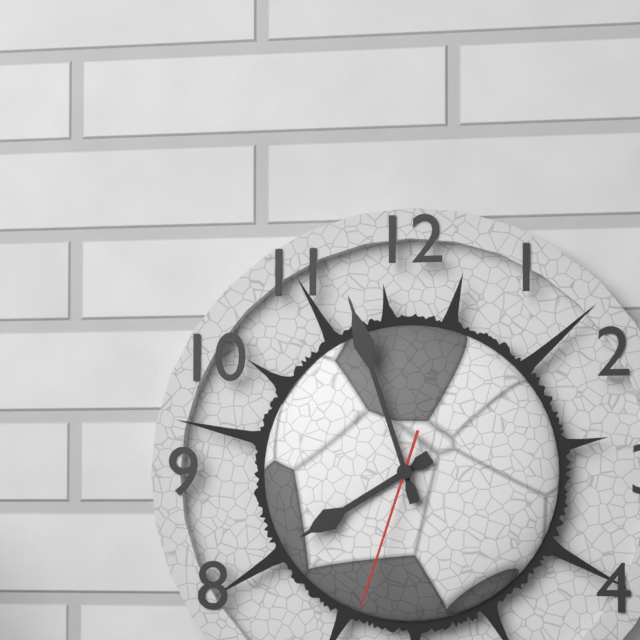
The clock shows h=7 m=57 s=33
